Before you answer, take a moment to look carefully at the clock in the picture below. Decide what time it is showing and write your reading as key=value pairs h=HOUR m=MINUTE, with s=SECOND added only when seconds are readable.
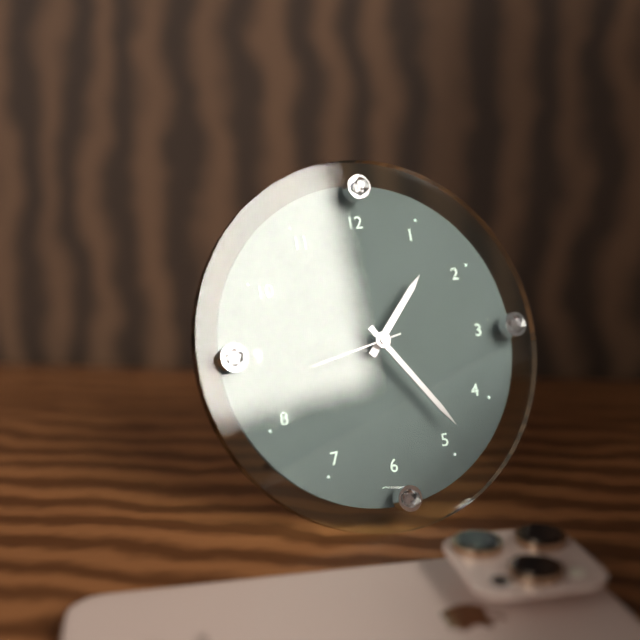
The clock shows h=1 m=24 s=43
